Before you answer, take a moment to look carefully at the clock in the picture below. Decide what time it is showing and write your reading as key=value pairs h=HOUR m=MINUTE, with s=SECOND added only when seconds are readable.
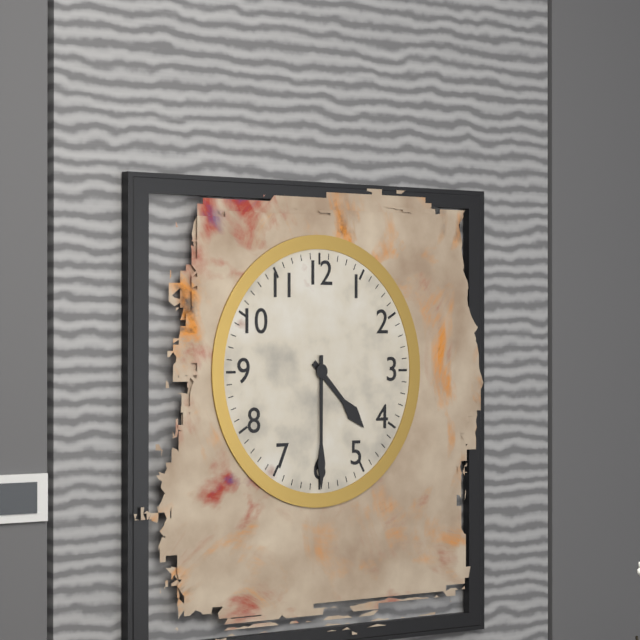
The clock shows h=4 m=30
